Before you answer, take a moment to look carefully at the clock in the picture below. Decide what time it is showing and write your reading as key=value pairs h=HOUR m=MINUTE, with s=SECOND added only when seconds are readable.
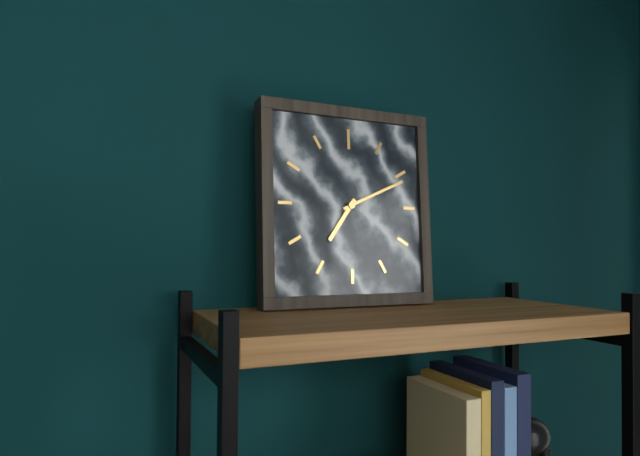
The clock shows h=7 m=11
